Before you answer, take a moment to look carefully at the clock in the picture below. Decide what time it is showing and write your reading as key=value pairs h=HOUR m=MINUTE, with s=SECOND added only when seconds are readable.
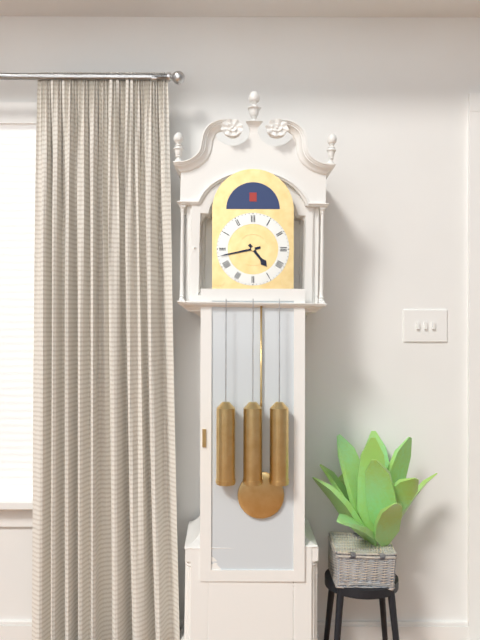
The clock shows h=4 m=43
